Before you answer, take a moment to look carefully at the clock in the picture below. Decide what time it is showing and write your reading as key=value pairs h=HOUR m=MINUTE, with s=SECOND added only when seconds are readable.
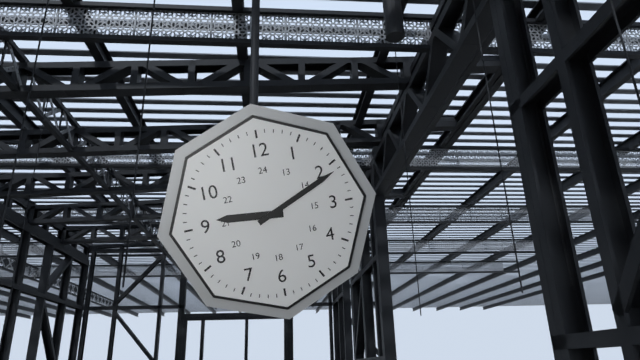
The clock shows h=9 m=11
